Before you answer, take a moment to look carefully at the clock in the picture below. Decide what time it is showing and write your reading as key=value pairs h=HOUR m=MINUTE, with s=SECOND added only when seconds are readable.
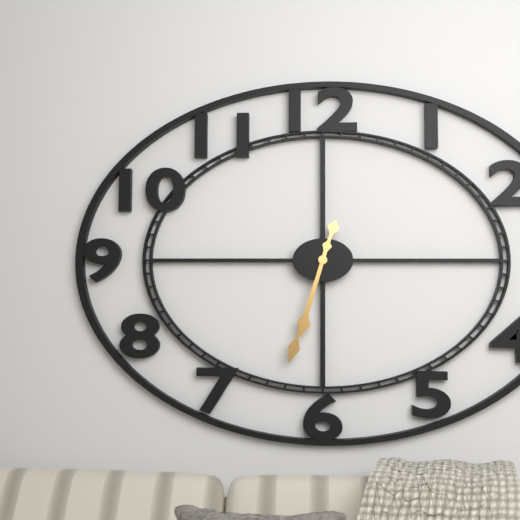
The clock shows h=6 m=33
